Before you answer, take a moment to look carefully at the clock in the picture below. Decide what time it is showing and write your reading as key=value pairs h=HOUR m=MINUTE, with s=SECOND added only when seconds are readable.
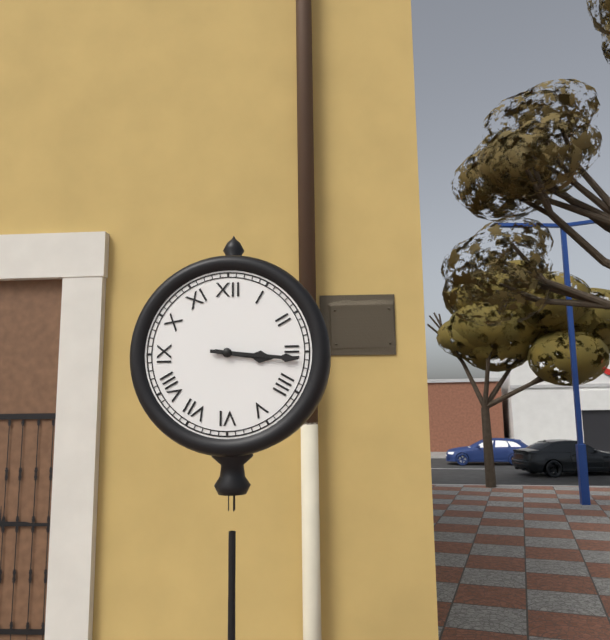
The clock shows h=3 m=16
